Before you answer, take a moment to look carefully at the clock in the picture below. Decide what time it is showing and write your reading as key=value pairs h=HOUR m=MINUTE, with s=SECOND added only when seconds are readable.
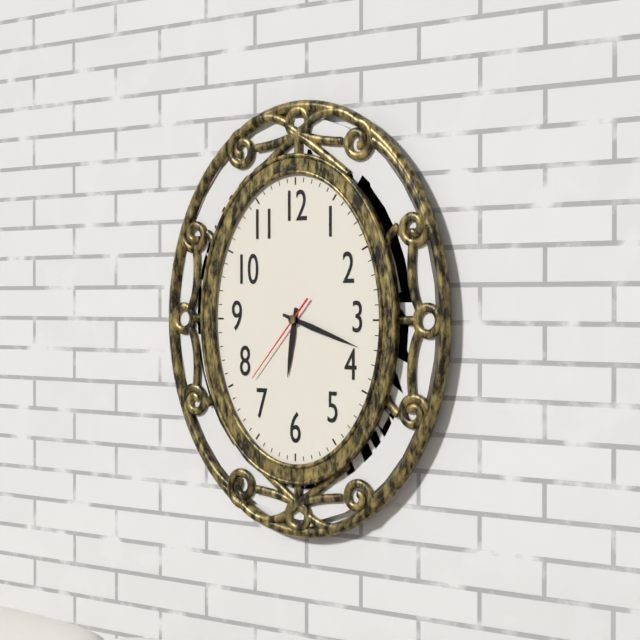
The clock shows h=6 m=18 s=37
